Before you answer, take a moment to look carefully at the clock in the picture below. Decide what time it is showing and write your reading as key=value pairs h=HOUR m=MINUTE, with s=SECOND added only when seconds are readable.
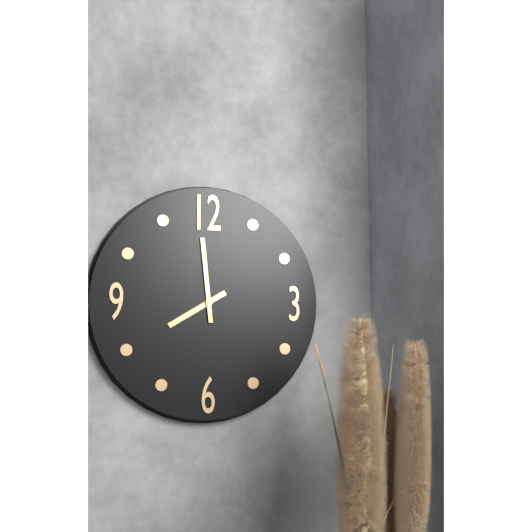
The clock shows h=7 m=59
